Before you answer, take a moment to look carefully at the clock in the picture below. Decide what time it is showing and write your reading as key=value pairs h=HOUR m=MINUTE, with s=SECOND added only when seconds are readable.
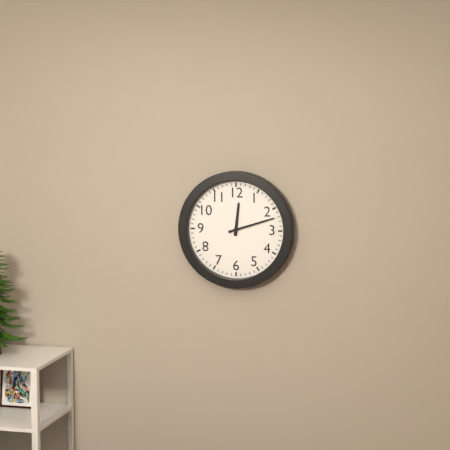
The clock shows h=12 m=12
